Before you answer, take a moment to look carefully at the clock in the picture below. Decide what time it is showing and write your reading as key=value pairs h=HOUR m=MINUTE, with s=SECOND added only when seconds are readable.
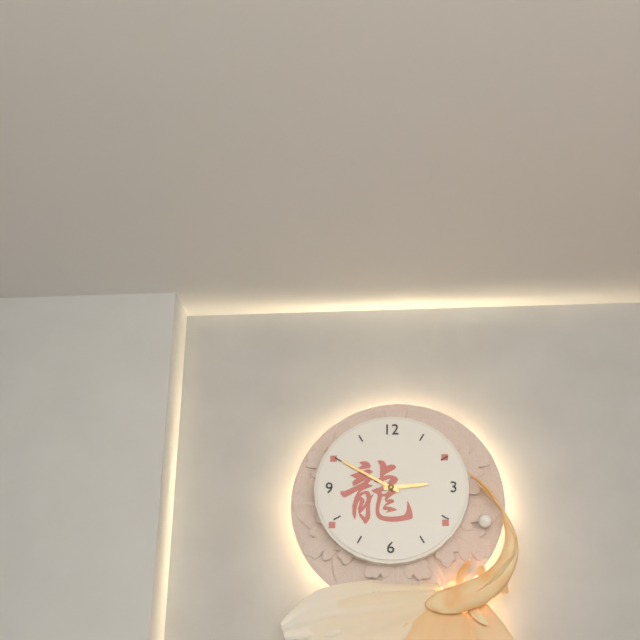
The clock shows h=2 m=50
